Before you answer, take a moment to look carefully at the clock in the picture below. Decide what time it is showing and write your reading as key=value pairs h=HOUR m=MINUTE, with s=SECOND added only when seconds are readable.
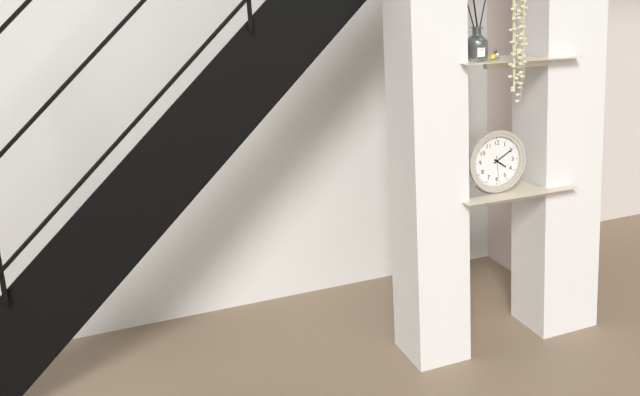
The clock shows h=4 m=10
